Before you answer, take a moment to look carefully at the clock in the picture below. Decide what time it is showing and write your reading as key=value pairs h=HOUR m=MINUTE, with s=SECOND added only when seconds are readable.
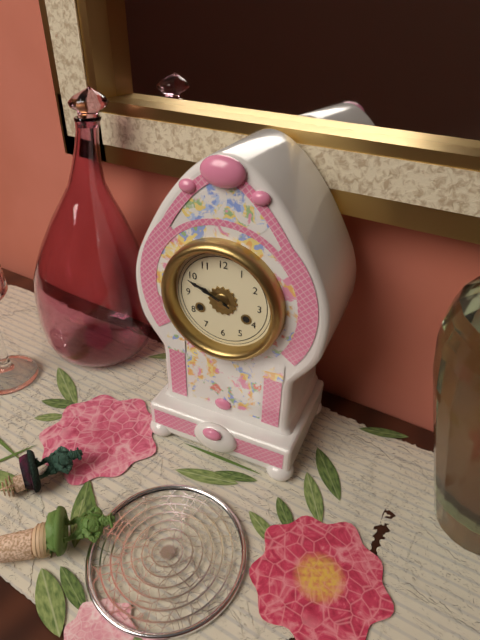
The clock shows h=9 m=49
